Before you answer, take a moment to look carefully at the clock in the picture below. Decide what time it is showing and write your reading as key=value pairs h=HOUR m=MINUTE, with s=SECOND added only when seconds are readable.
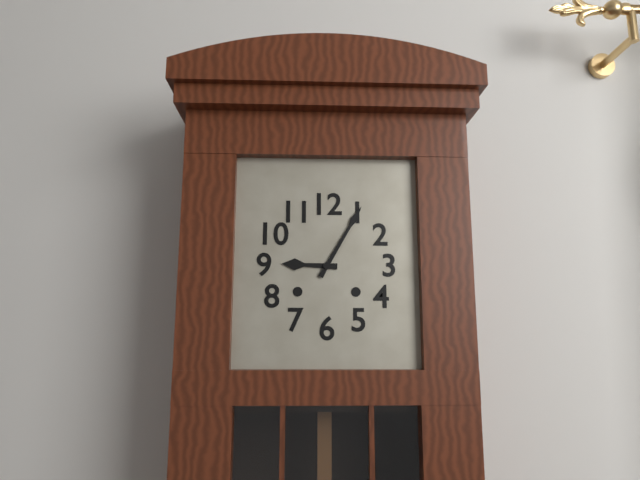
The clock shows h=9 m=5
